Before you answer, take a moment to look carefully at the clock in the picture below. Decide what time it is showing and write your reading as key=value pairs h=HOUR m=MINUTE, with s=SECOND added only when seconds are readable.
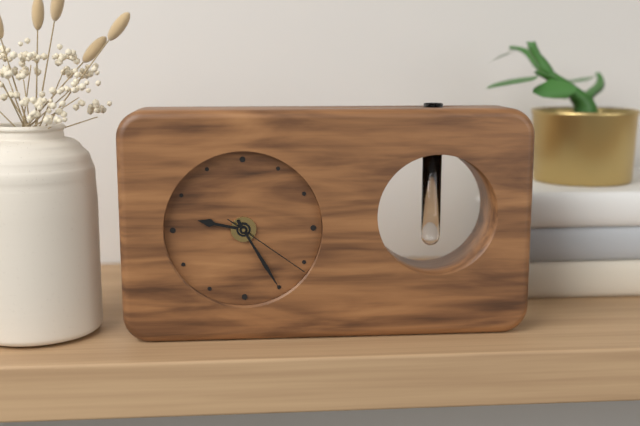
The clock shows h=9 m=25 s=21
